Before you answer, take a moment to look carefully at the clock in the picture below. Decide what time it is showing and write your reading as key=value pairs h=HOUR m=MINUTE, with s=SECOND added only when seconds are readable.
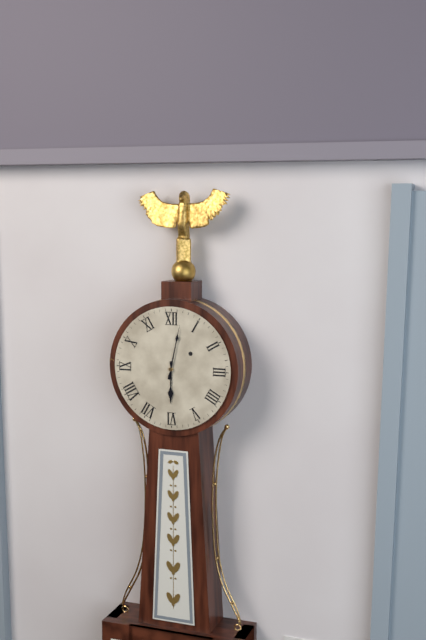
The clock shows h=6 m=2
